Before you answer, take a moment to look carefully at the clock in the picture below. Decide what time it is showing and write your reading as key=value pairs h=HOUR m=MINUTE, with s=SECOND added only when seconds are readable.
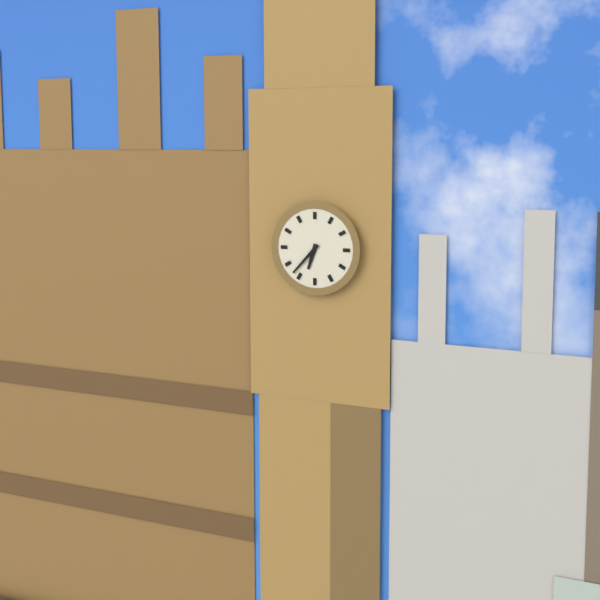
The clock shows h=6 m=37
